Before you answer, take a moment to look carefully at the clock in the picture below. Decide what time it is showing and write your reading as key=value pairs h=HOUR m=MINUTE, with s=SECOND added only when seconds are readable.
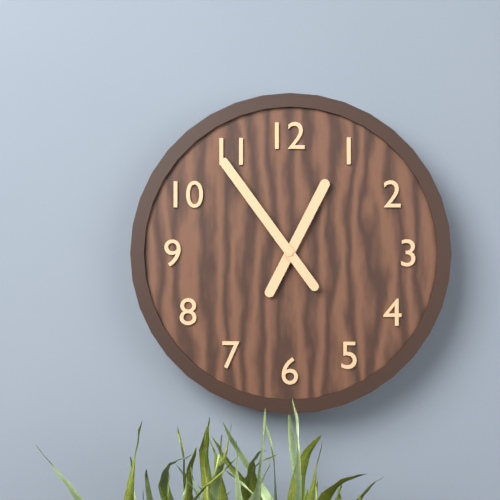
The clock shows h=12 m=54
